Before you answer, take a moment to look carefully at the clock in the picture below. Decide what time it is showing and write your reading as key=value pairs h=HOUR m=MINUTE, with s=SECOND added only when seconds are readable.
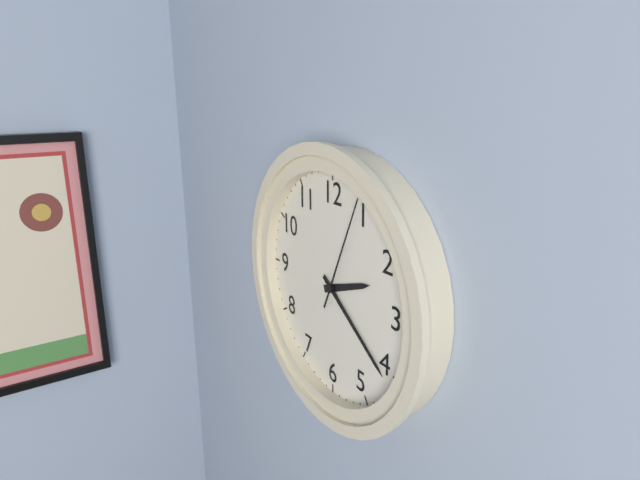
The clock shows h=2 m=21 s=4
